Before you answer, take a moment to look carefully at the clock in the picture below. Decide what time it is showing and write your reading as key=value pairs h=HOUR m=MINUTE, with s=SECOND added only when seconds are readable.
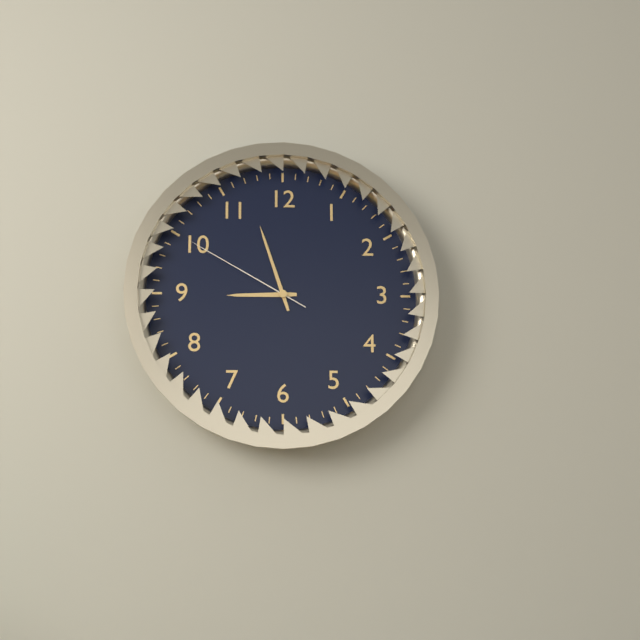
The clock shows h=8 m=57 s=50
